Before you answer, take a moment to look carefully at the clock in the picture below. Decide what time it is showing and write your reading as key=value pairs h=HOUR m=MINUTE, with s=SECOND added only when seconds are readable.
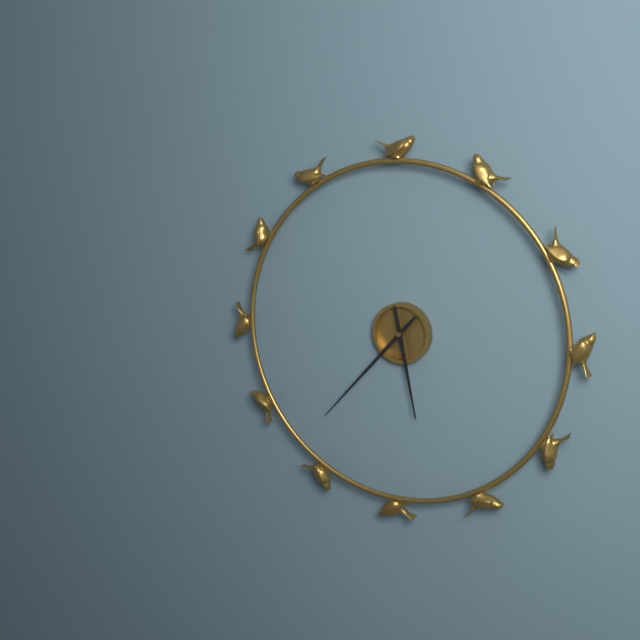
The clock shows h=5 m=37
